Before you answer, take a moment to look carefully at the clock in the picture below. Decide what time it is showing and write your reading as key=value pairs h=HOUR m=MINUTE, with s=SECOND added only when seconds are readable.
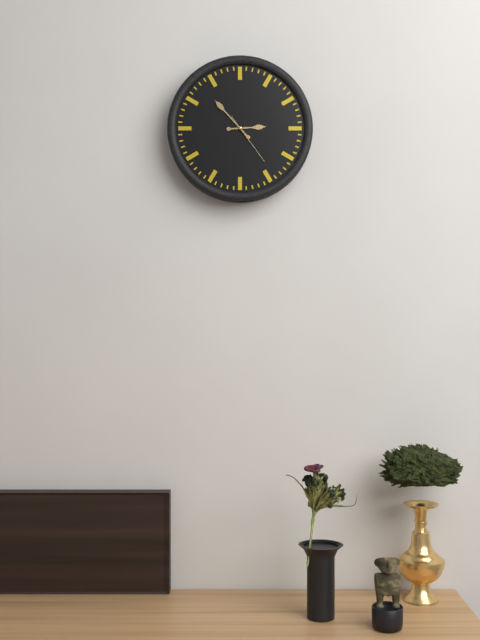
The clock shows h=2 m=53 s=24
